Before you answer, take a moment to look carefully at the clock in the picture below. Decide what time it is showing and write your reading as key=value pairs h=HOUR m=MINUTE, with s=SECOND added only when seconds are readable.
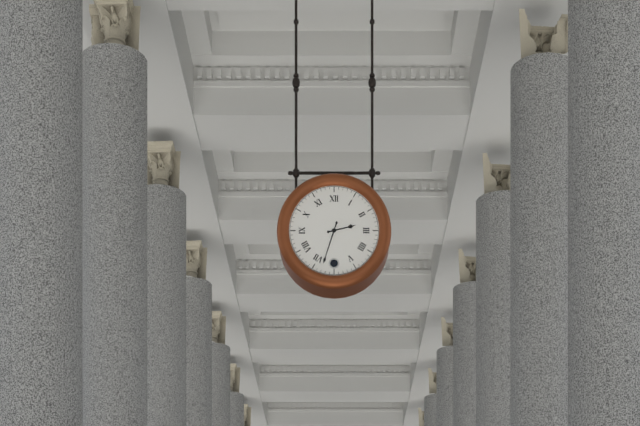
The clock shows h=2 m=33
